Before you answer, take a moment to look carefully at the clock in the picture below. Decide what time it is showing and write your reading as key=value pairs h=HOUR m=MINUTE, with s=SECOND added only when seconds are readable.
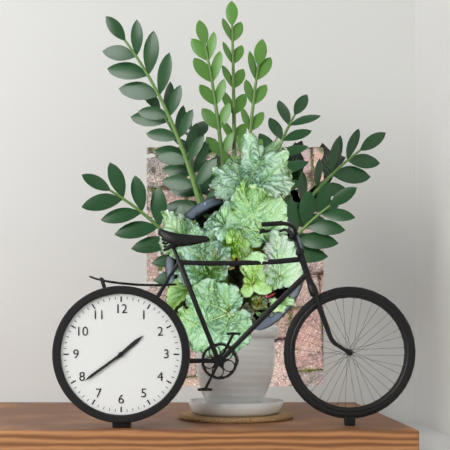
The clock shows h=1 m=39
